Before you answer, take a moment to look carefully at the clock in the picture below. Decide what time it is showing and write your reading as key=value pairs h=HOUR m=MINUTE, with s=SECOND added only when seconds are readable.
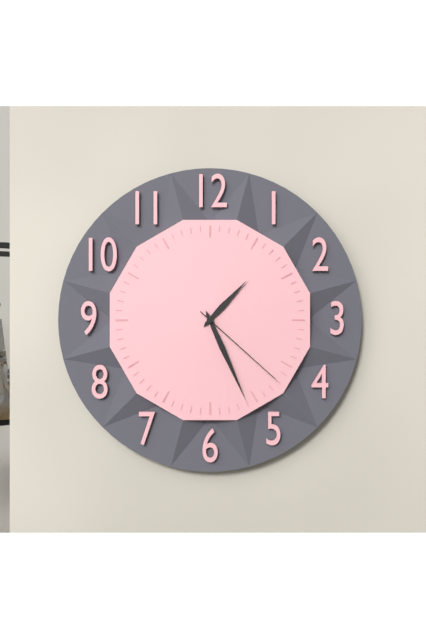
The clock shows h=1 m=26 s=22
